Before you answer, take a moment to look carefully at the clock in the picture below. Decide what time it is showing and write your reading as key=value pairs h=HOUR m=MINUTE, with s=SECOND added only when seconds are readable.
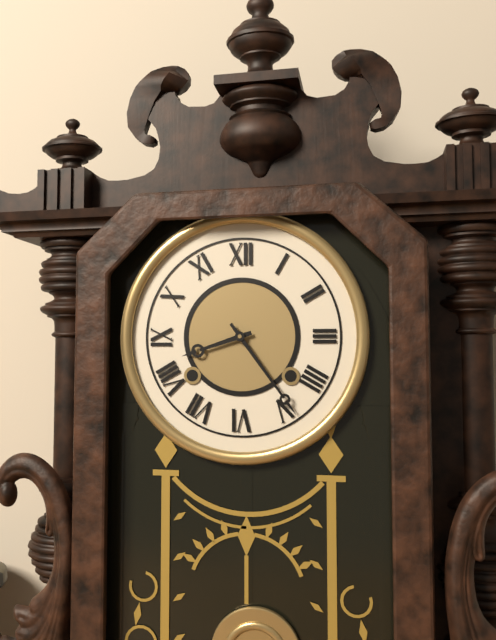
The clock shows h=8 m=24
